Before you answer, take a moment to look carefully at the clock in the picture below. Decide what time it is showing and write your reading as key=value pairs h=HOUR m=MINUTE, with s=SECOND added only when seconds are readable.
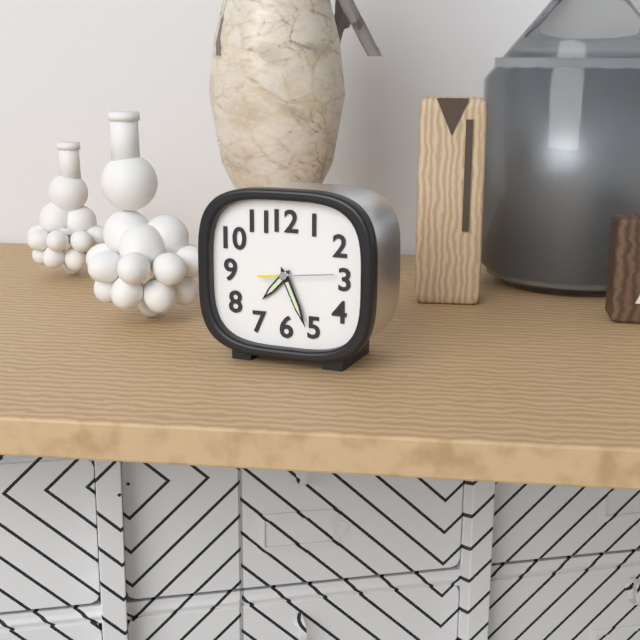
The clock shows h=7 m=26 s=14
